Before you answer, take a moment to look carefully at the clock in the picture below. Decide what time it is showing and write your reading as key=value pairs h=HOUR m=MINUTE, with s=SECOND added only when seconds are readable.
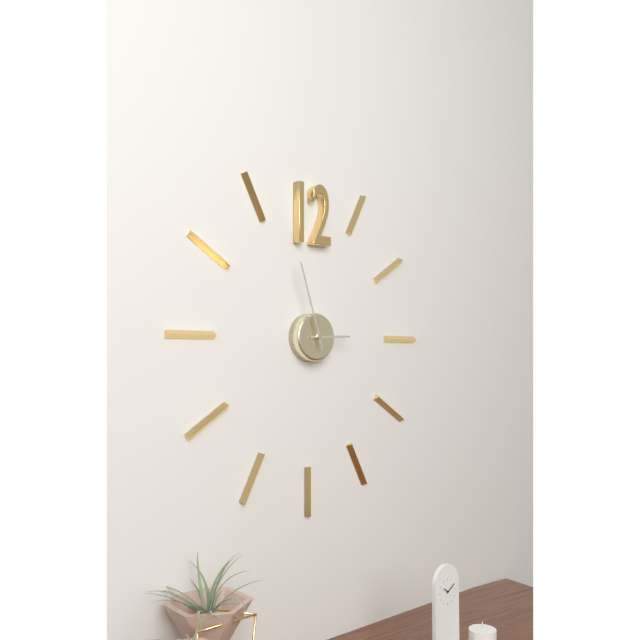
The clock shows h=2 m=57
